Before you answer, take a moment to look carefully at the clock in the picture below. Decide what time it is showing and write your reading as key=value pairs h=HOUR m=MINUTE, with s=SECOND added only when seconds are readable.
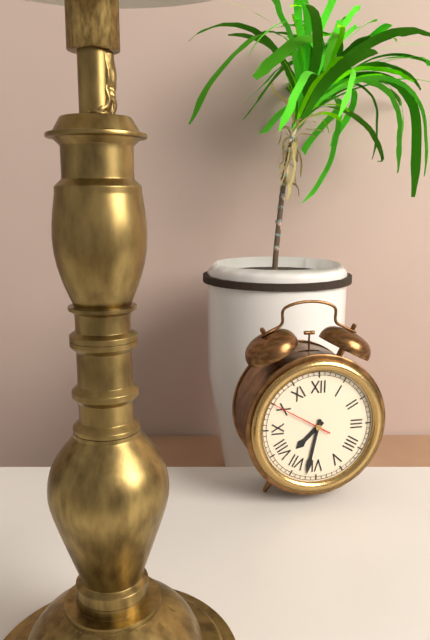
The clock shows h=7 m=32 s=50
